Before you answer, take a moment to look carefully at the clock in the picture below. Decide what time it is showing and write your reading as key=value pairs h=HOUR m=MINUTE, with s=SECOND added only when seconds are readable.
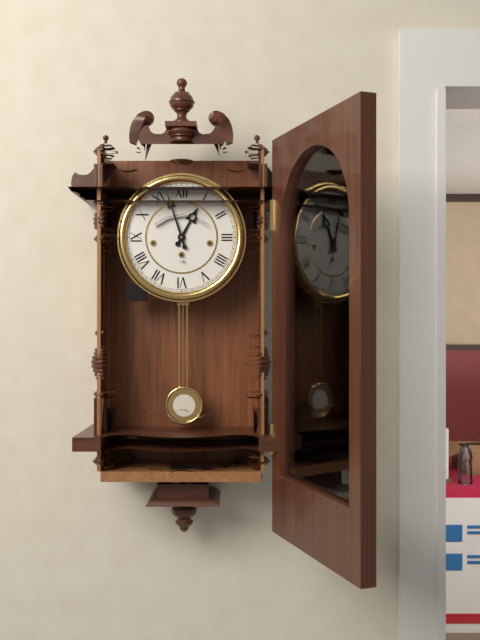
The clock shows h=12 m=57
